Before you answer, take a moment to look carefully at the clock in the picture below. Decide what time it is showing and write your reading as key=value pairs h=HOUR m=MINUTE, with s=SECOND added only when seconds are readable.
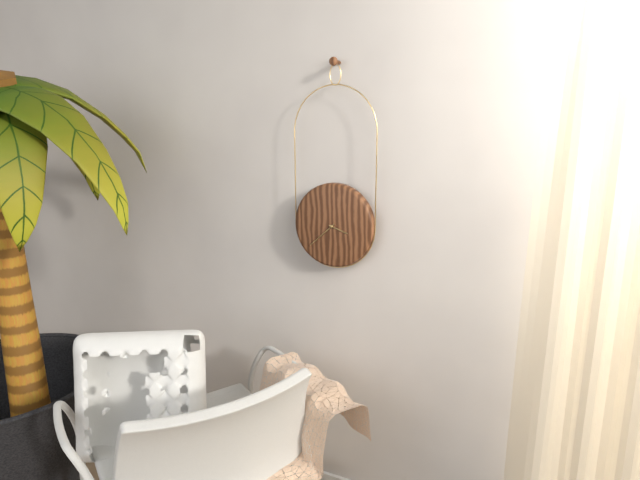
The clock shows h=3 m=38
